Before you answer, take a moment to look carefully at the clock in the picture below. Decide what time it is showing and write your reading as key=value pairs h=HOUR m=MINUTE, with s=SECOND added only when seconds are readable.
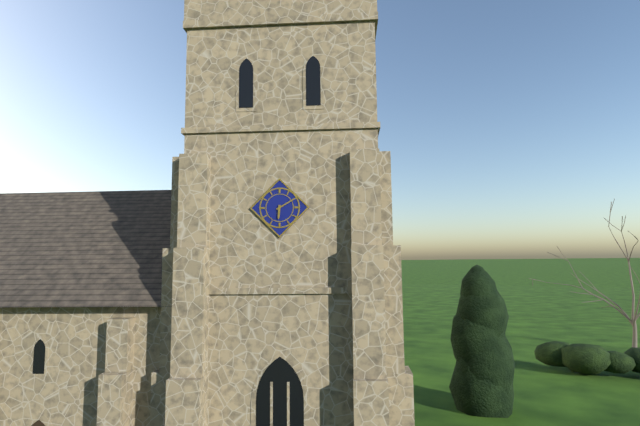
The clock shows h=6 m=10
